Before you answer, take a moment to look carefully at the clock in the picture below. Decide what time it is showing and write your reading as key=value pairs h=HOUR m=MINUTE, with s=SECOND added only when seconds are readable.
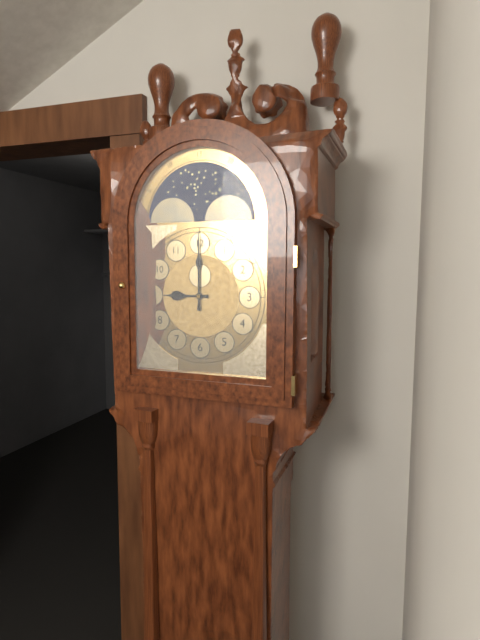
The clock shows h=9 m=0
